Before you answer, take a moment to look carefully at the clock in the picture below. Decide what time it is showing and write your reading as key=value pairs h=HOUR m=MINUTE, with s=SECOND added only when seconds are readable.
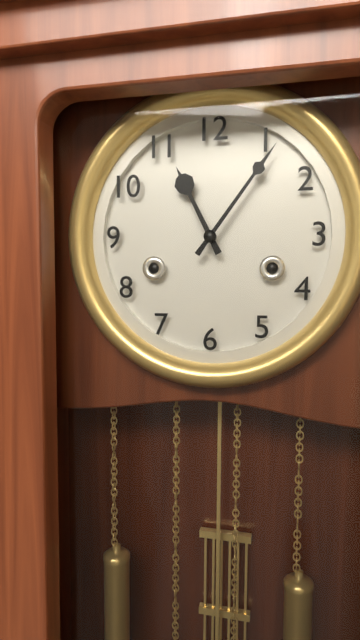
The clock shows h=11 m=6
